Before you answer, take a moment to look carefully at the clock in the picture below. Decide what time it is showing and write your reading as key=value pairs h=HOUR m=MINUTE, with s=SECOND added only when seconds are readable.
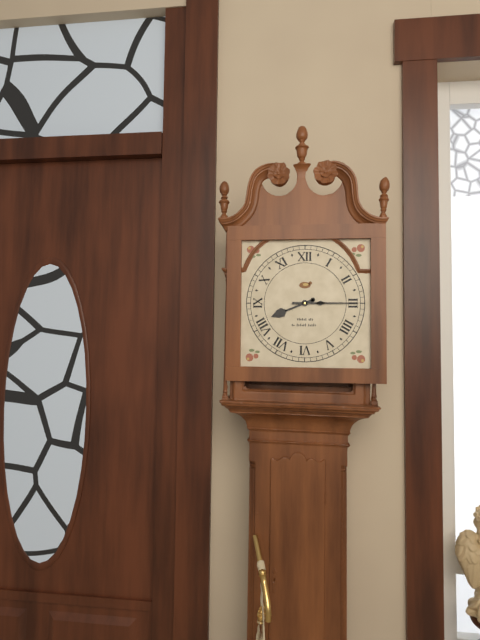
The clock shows h=8 m=15
